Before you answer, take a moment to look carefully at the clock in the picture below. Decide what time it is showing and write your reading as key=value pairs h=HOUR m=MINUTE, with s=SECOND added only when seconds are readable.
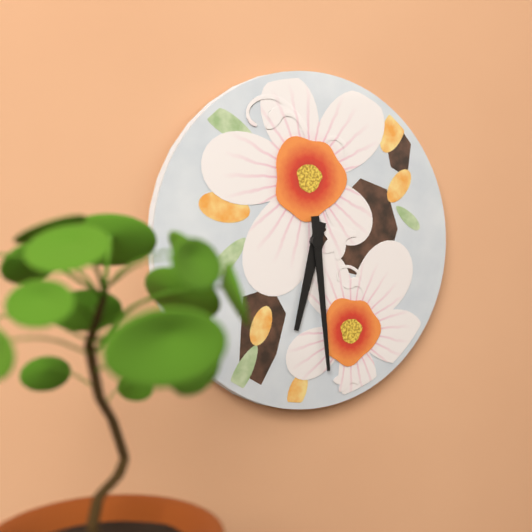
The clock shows h=6 m=29
